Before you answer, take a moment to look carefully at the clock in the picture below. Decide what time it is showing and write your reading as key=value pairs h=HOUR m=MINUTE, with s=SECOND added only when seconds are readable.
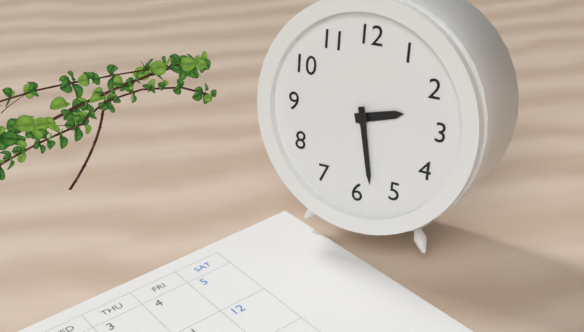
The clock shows h=2 m=28
